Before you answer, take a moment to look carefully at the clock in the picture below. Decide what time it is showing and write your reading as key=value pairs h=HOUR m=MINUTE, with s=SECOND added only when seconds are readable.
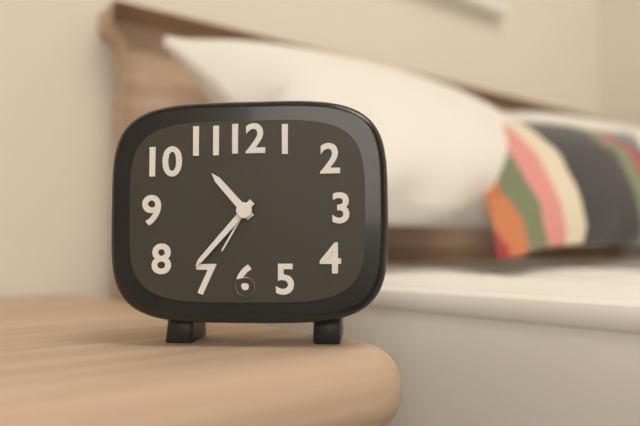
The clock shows h=10 m=37
